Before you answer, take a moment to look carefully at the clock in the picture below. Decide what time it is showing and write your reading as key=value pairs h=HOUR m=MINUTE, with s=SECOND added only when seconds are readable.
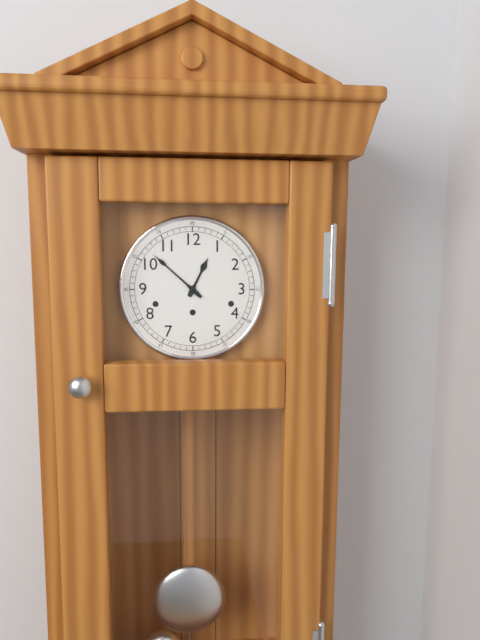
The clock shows h=12 m=52
